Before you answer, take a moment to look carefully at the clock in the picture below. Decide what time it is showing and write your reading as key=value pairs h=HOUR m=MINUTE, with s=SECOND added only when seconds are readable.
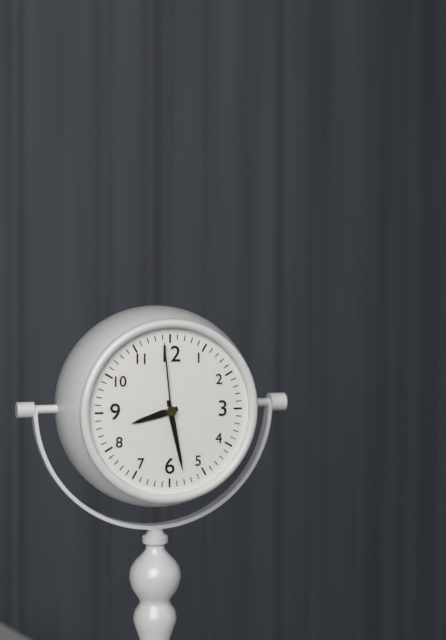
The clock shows h=8 m=28 s=59
